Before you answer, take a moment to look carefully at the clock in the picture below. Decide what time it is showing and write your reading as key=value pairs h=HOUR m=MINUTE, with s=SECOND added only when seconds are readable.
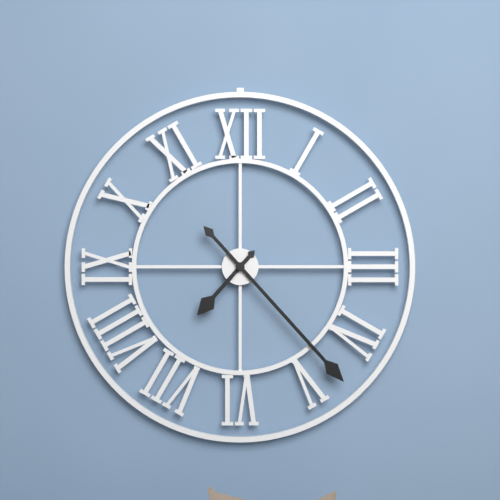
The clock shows h=7 m=23
